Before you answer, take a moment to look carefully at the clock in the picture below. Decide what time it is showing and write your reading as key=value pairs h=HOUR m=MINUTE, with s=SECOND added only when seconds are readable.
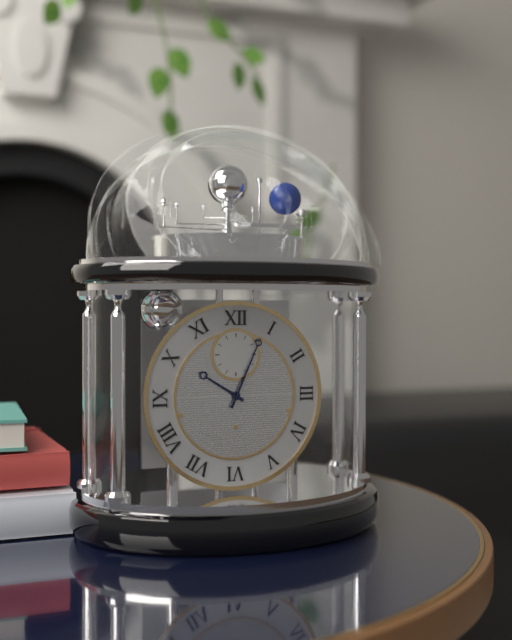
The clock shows h=10 m=4
